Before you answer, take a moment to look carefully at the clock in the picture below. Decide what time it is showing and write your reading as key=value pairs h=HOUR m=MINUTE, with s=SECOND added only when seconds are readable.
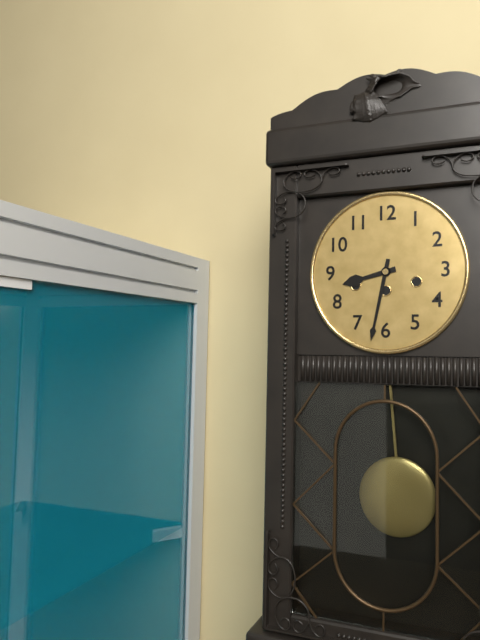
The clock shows h=8 m=32
